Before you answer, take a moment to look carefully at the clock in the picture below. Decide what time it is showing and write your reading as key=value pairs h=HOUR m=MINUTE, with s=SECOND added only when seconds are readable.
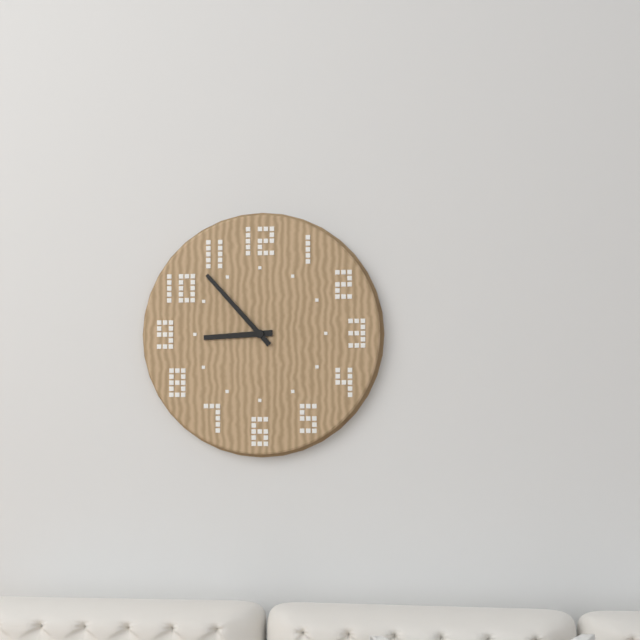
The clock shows h=8 m=53
